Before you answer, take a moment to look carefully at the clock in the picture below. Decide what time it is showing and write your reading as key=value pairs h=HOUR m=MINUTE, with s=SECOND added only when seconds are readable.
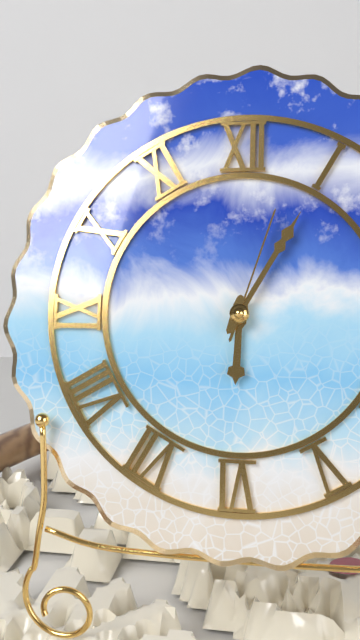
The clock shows h=6 m=5 s=3
